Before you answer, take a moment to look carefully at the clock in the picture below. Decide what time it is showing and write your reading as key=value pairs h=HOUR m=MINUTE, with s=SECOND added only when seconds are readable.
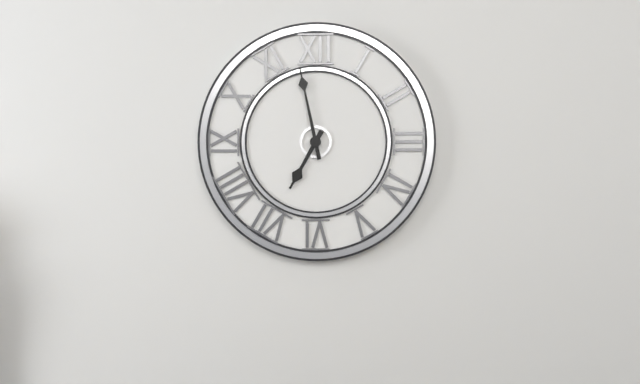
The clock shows h=6 m=58
